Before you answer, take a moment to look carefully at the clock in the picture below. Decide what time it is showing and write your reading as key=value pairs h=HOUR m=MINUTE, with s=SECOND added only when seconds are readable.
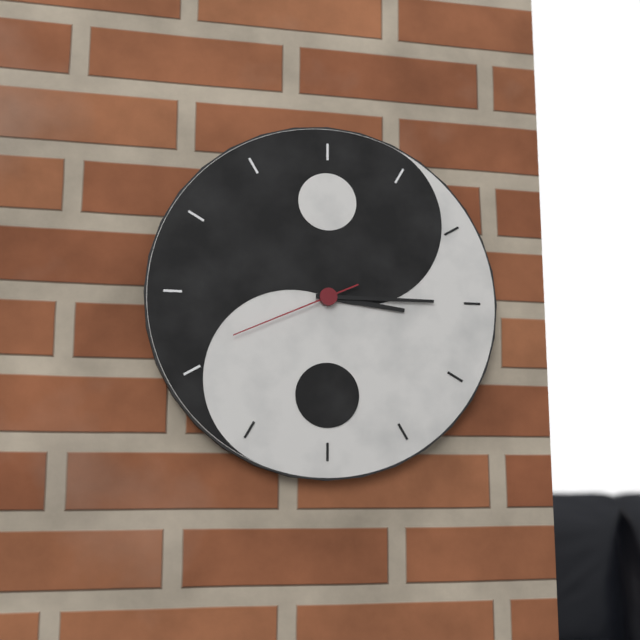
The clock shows h=3 m=15 s=41
